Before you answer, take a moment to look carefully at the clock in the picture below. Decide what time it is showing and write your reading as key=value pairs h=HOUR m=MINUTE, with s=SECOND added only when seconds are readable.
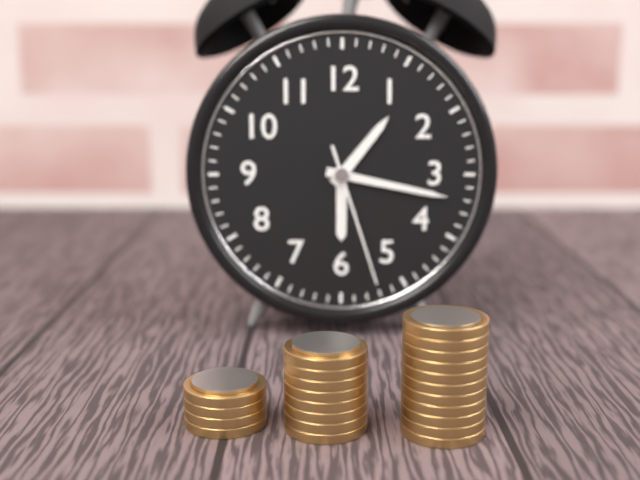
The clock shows h=1 m=17 s=27
